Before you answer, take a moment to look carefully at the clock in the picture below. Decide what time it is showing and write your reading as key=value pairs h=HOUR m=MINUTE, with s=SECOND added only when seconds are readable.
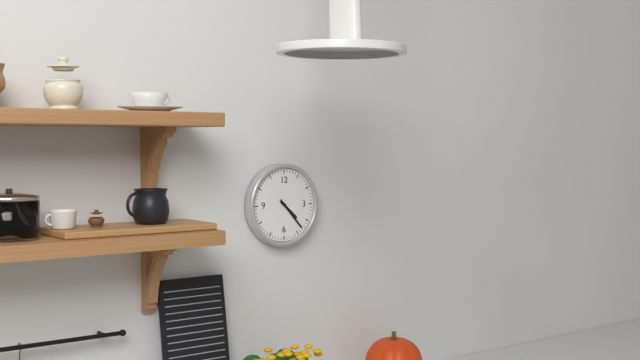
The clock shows h=4 m=23
